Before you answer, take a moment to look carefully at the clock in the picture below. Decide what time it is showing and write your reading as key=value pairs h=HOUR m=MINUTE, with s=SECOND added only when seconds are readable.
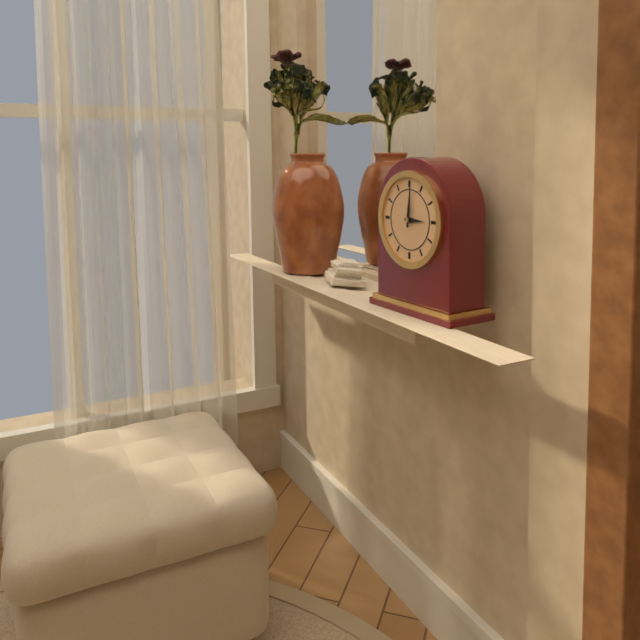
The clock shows h=3 m=1
